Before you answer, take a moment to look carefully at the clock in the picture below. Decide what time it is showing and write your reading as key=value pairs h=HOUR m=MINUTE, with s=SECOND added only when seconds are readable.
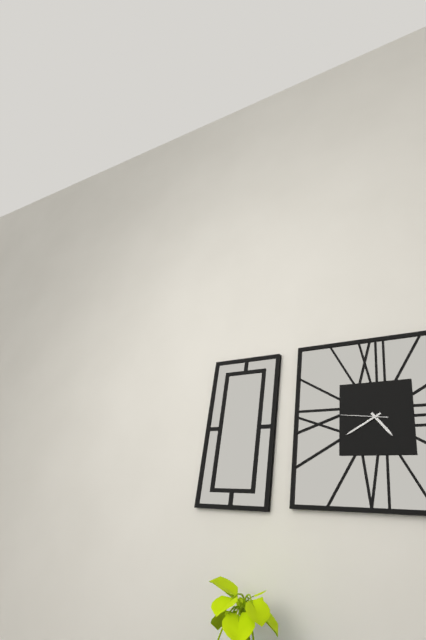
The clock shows h=4 m=40
